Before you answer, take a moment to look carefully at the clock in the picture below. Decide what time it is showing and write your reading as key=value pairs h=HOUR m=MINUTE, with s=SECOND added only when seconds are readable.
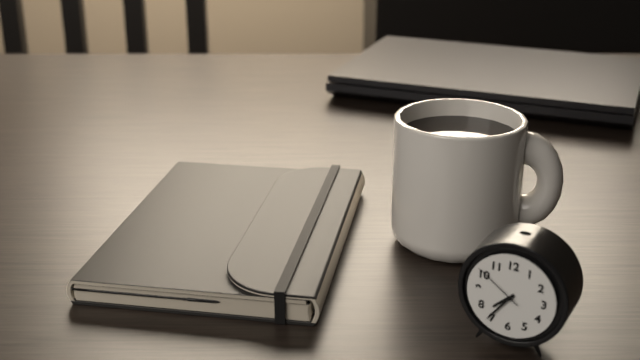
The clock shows h=7 m=36 s=51
